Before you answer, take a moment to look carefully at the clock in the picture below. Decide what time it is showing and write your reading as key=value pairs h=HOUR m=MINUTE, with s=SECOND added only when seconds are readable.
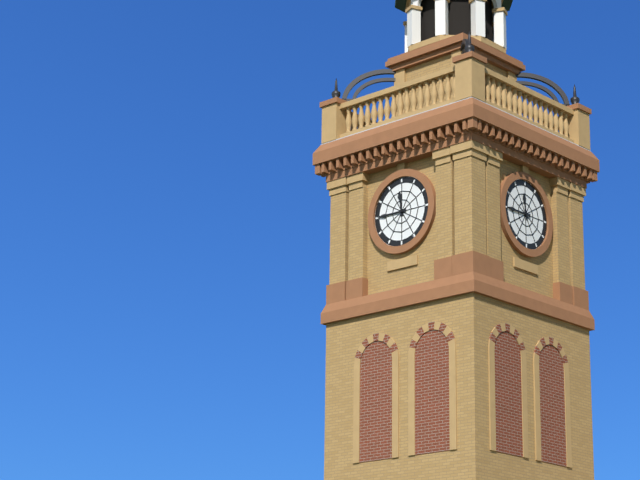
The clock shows h=11 m=45
